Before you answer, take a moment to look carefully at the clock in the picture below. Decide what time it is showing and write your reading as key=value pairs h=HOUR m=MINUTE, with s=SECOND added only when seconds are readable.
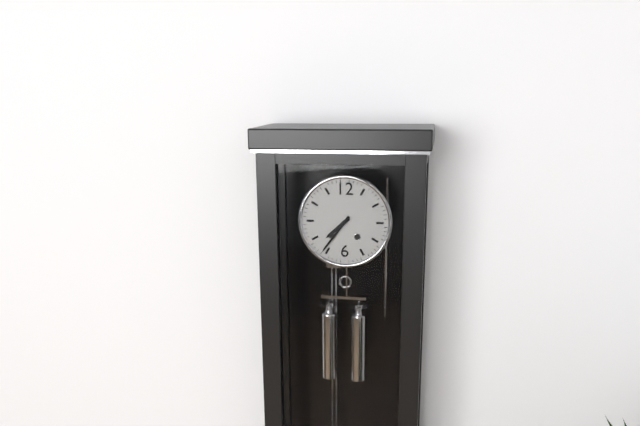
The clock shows h=7 m=36
